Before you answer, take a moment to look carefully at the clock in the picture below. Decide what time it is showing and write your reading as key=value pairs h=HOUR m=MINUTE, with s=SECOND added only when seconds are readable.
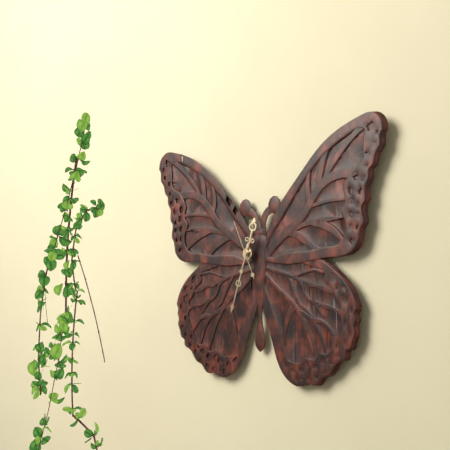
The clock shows h=12 m=33
